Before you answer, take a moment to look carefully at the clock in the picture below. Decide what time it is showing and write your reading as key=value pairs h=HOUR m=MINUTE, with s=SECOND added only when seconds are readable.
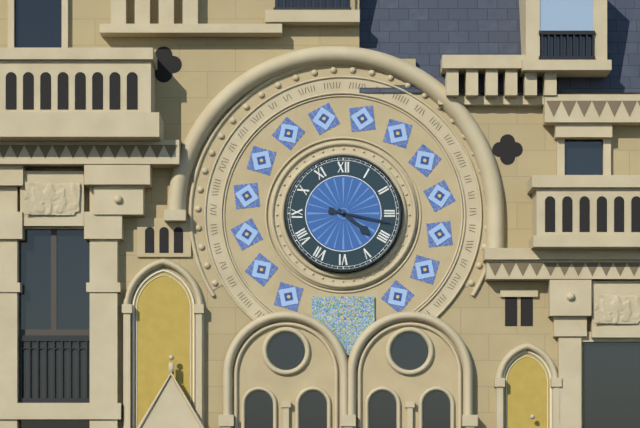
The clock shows h=4 m=17
